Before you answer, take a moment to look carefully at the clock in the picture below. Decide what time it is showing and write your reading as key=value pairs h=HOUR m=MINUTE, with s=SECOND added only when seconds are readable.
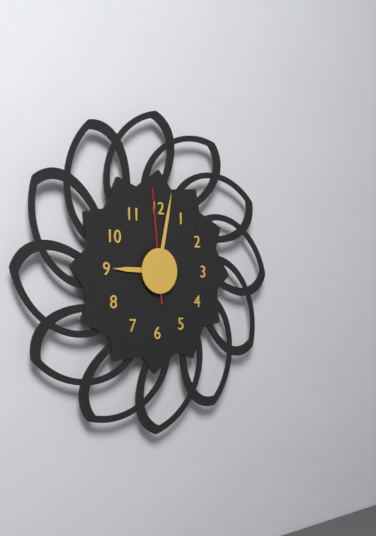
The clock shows h=9 m=2 s=59
